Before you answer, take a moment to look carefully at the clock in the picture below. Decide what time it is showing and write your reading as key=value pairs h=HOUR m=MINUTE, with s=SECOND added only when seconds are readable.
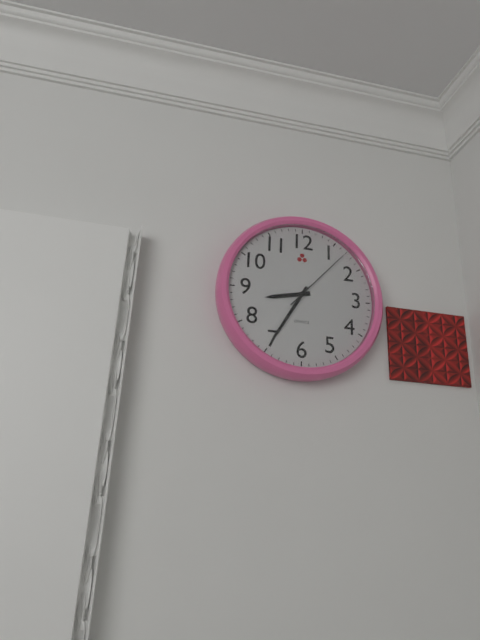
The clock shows h=8 m=35 s=7
